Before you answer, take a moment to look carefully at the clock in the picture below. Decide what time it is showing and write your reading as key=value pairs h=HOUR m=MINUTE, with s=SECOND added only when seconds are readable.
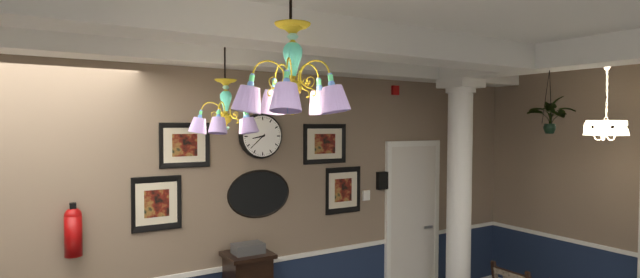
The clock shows h=8 m=38
